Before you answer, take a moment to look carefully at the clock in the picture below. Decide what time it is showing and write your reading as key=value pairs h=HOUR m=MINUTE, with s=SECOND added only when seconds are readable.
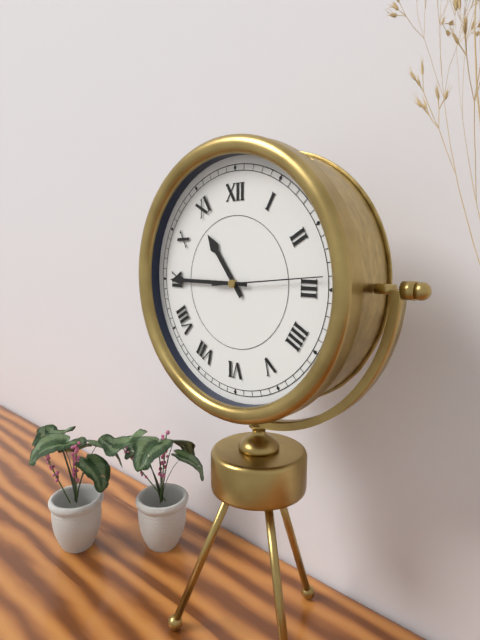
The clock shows h=10 m=45 s=14
